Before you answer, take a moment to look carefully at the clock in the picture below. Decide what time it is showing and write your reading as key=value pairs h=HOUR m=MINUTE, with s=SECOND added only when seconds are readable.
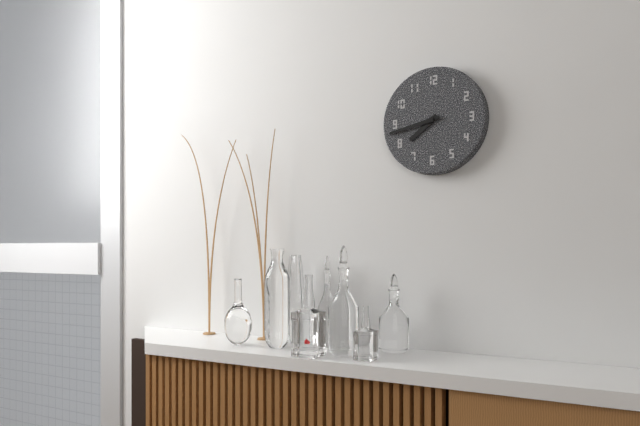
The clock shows h=7 m=43
